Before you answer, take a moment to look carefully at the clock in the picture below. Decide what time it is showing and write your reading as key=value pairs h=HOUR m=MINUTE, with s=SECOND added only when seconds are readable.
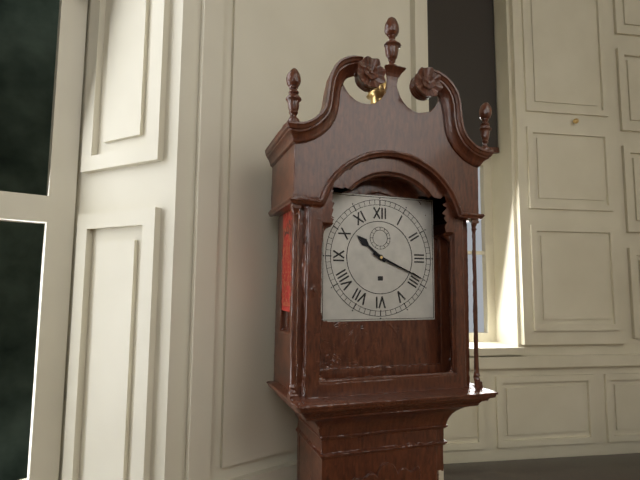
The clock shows h=10 m=19
